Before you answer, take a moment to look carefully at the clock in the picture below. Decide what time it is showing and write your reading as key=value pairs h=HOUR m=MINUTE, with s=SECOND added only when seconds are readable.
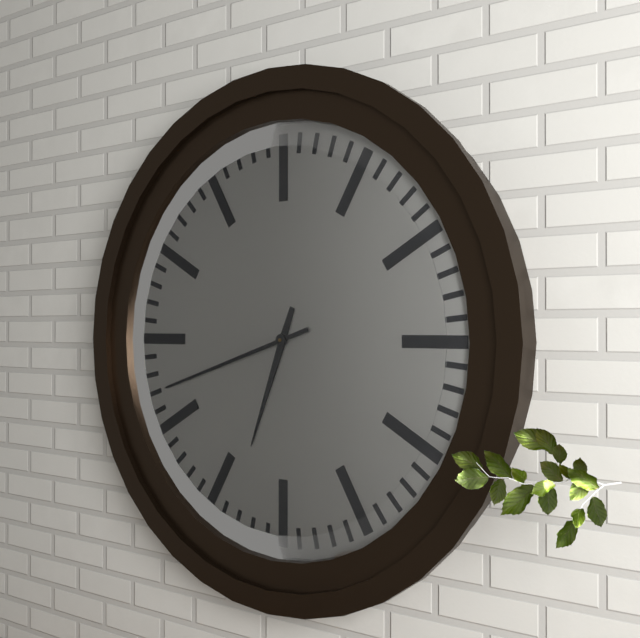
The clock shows h=6 m=42
